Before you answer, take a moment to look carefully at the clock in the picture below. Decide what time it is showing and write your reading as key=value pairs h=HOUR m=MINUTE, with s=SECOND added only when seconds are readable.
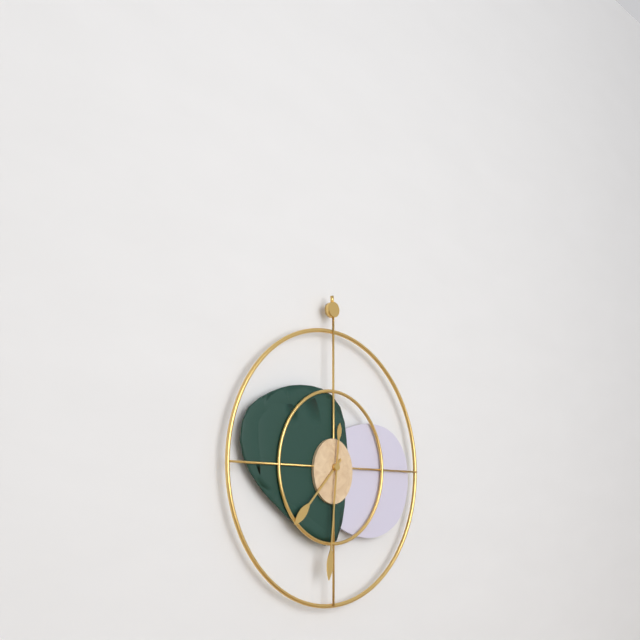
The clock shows h=7 m=31
